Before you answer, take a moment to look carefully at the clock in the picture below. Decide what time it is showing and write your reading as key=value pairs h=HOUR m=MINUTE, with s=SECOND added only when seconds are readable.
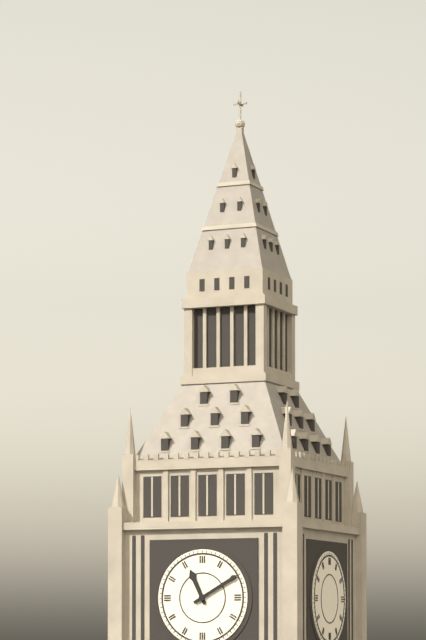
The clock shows h=11 m=10
